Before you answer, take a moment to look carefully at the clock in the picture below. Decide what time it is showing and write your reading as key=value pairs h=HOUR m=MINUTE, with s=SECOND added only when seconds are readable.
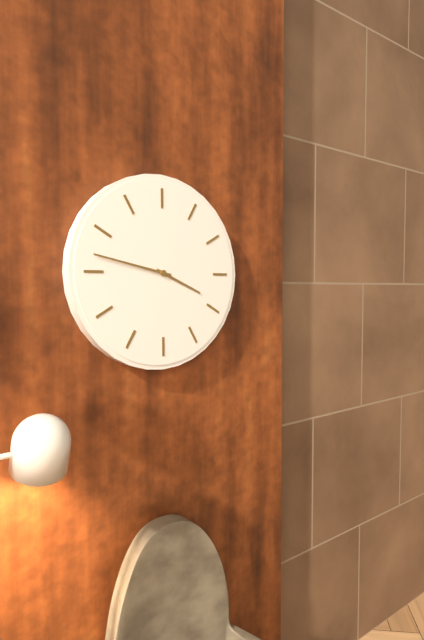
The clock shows h=3 m=47
